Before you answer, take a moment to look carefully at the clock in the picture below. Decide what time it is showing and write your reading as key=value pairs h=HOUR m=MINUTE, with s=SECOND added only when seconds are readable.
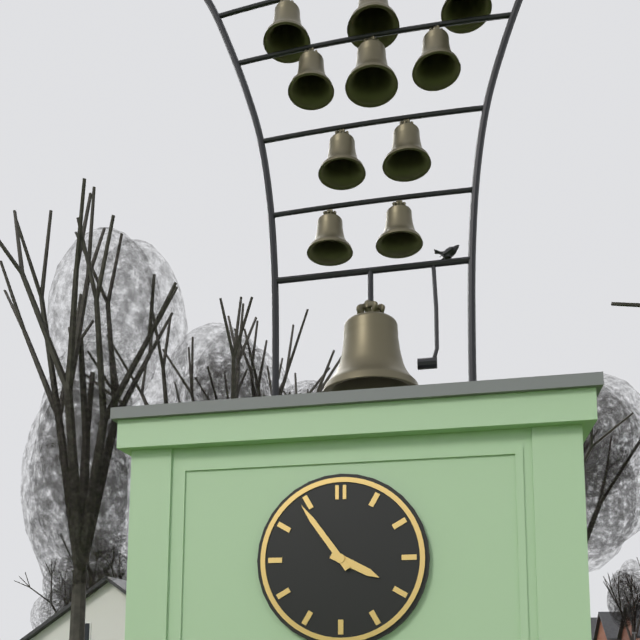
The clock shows h=3 m=54
